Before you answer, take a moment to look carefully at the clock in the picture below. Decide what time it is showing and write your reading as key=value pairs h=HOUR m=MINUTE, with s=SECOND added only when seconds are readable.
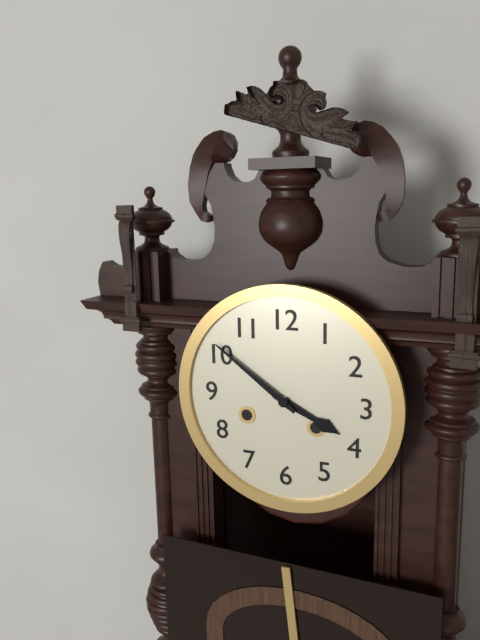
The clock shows h=3 m=51
